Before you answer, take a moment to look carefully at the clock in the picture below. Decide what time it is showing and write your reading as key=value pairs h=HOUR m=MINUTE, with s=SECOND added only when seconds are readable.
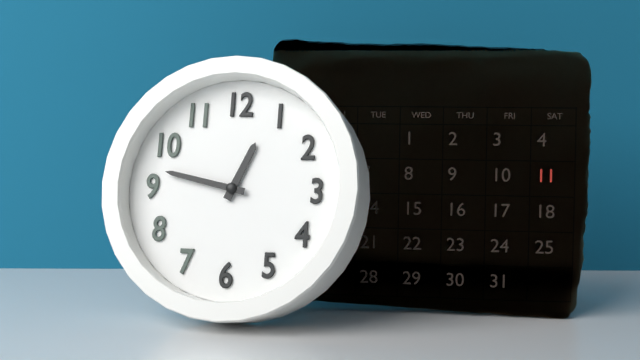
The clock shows h=12 m=47
